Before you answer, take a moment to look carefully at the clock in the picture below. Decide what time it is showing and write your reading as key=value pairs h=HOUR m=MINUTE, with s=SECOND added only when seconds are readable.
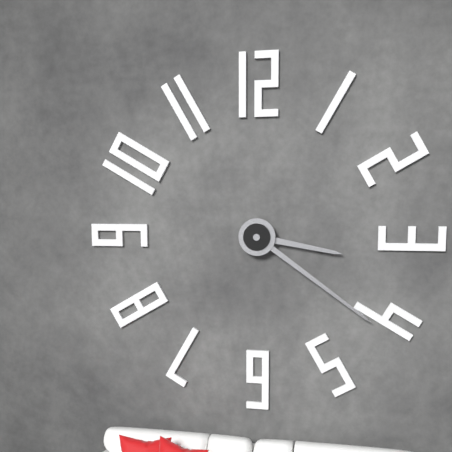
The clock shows h=3 m=21
